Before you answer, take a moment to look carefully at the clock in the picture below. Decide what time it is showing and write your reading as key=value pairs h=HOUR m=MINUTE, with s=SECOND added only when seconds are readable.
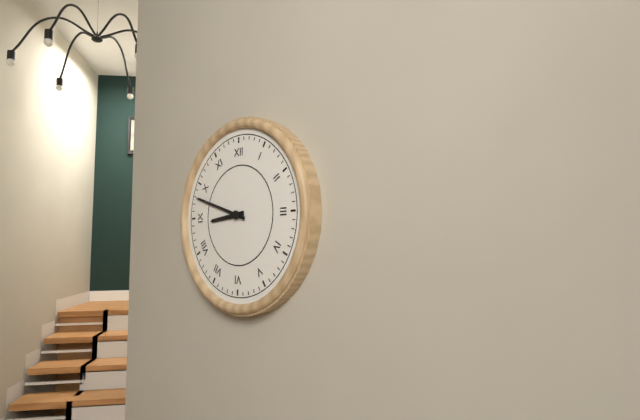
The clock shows h=8 m=48
